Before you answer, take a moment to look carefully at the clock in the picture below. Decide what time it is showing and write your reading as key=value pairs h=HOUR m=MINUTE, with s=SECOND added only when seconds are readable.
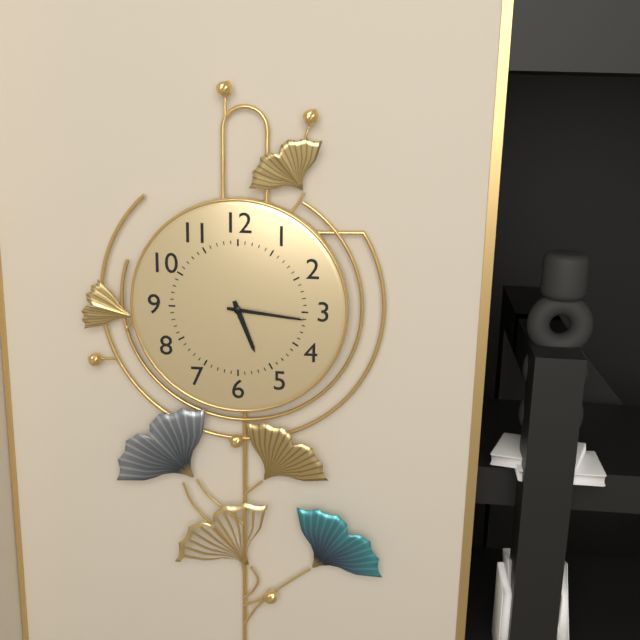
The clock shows h=5 m=16
